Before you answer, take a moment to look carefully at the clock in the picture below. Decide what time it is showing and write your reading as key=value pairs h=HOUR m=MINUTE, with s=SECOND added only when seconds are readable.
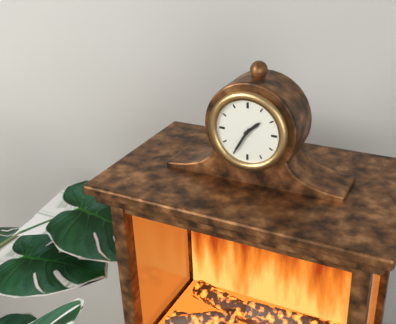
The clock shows h=1 m=35
